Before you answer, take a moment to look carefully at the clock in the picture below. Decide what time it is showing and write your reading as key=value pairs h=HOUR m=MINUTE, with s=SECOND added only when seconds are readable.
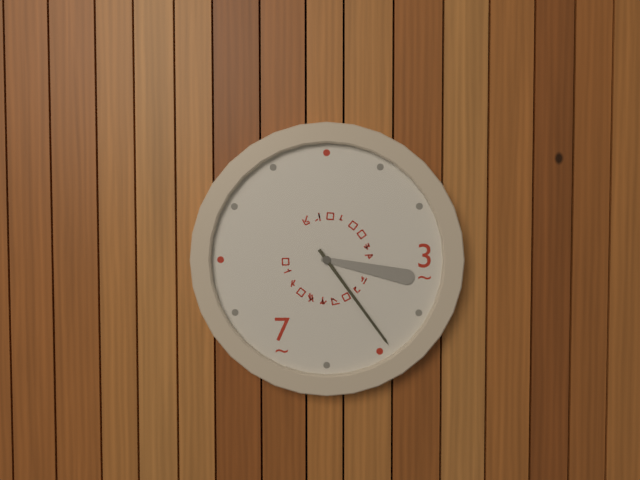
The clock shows h=3 m=24
